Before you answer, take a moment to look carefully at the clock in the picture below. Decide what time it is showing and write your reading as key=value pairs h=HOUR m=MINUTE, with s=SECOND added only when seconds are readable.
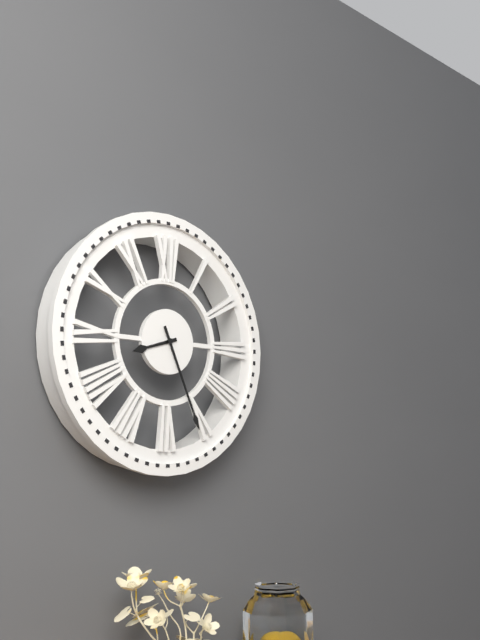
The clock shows h=8 m=26
